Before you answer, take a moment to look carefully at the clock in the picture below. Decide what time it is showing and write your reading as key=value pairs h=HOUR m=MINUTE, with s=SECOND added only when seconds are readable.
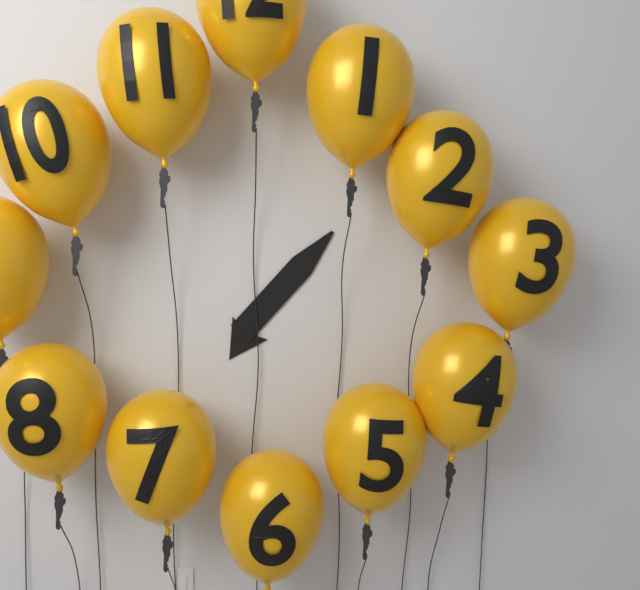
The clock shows h=7 m=7
